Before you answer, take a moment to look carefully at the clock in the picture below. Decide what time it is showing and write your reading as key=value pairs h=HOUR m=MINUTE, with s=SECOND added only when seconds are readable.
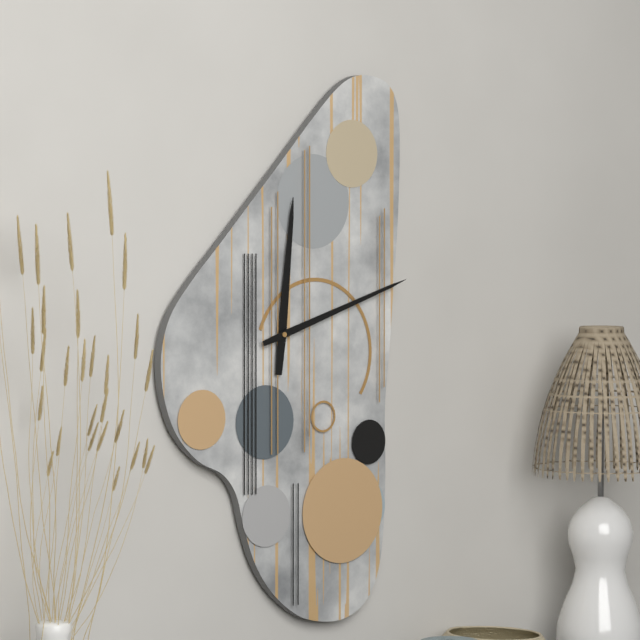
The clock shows h=12 m=12
